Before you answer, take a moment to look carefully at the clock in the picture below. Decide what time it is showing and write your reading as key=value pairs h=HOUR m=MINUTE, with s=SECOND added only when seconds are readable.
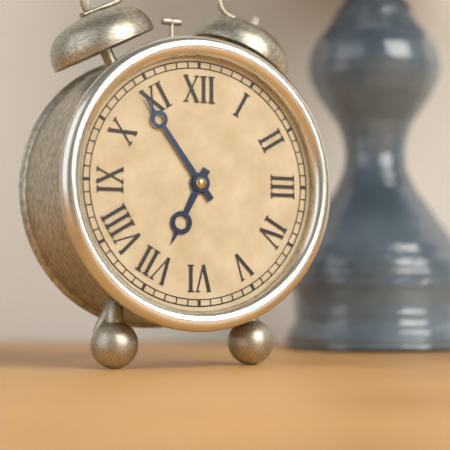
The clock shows h=6 m=54
